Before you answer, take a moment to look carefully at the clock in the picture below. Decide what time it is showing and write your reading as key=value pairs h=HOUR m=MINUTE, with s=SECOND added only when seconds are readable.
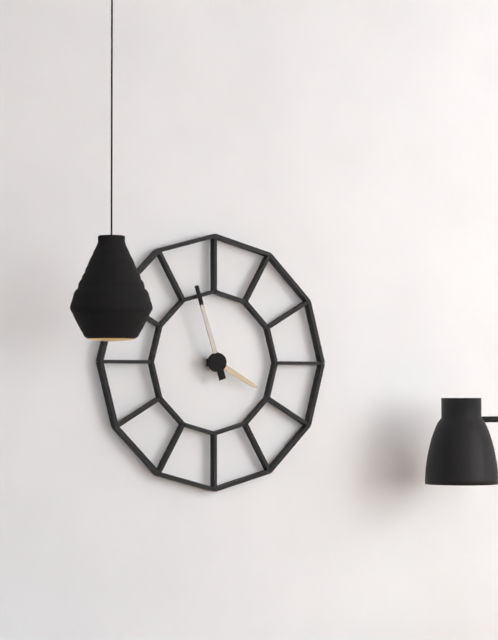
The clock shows h=3 m=57
